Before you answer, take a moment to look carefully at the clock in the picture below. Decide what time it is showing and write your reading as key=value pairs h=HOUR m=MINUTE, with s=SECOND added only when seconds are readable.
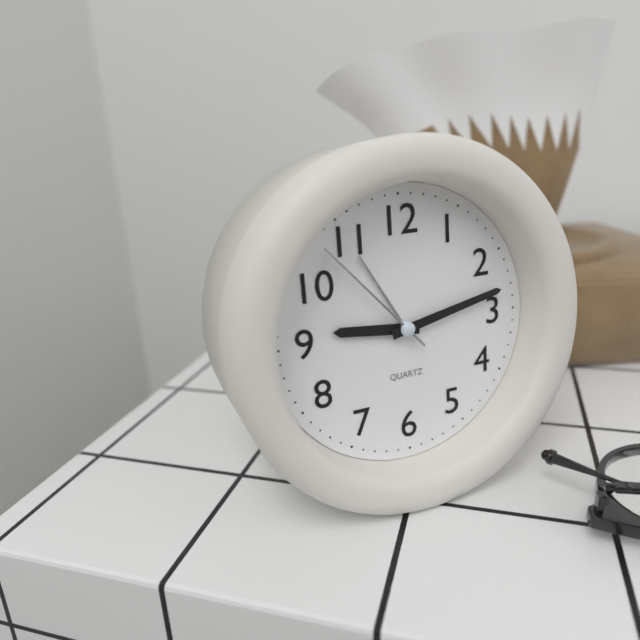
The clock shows h=9 m=13 s=53
